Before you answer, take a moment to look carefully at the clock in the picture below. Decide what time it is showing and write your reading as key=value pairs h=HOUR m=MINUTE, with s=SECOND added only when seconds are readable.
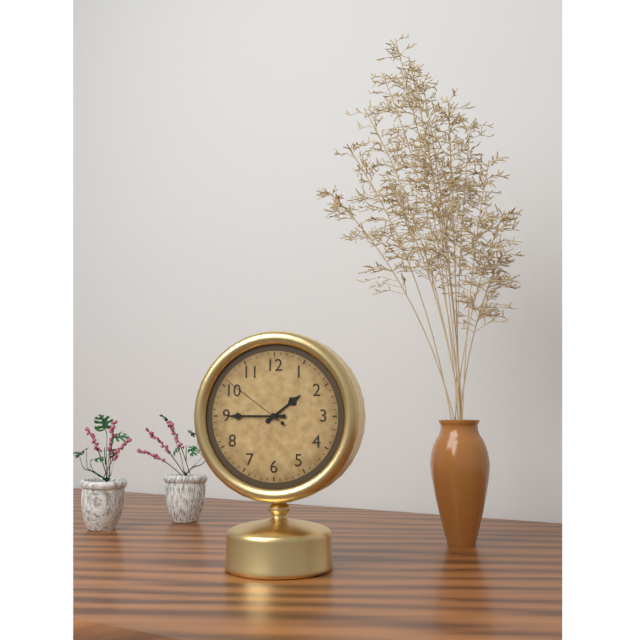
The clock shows h=1 m=45 s=51
